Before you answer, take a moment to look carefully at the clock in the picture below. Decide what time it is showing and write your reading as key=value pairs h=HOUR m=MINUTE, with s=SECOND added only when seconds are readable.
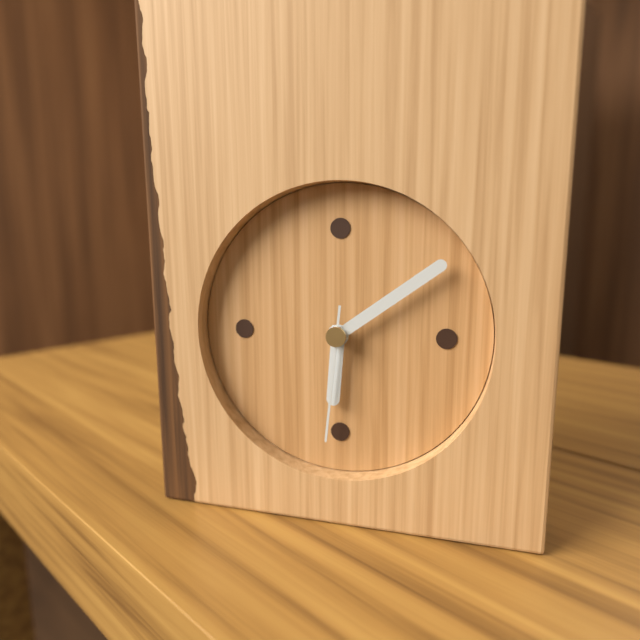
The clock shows h=6 m=9 s=31
